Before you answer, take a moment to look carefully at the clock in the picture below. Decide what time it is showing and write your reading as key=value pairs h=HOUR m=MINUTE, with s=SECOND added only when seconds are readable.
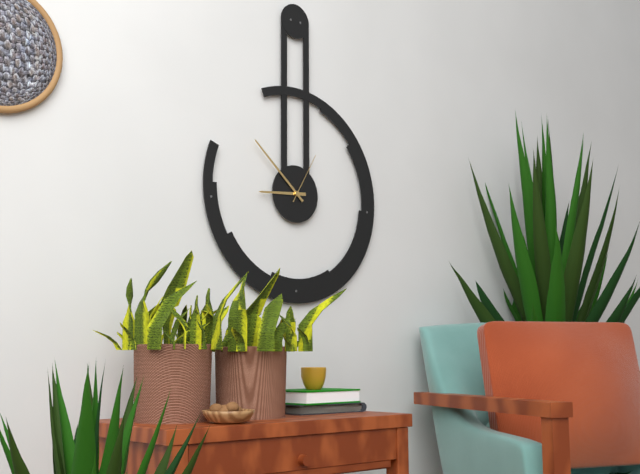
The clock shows h=8 m=52 s=5
